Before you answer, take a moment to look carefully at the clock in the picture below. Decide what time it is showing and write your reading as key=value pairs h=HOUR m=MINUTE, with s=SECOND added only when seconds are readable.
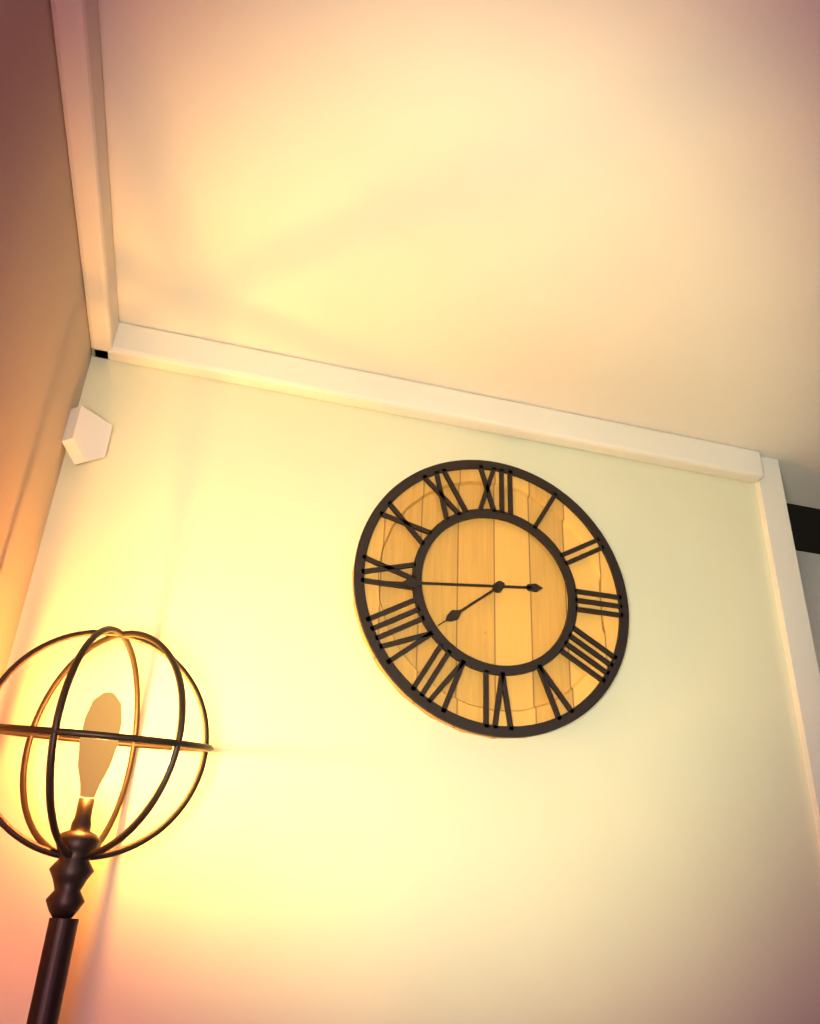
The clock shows h=7 m=44
